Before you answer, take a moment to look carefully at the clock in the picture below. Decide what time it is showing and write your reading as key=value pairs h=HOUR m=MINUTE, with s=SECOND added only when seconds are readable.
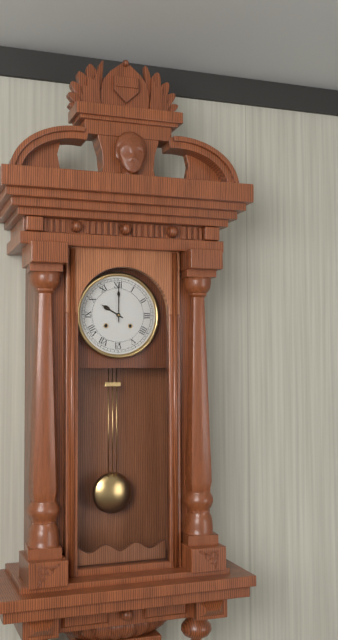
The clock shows h=10 m=0
